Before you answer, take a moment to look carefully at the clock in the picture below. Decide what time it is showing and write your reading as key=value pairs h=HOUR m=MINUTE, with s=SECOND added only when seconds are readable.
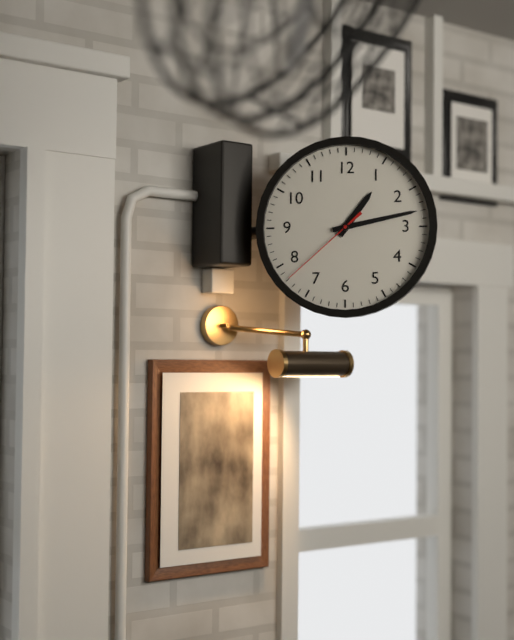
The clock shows h=1 m=13 s=38
